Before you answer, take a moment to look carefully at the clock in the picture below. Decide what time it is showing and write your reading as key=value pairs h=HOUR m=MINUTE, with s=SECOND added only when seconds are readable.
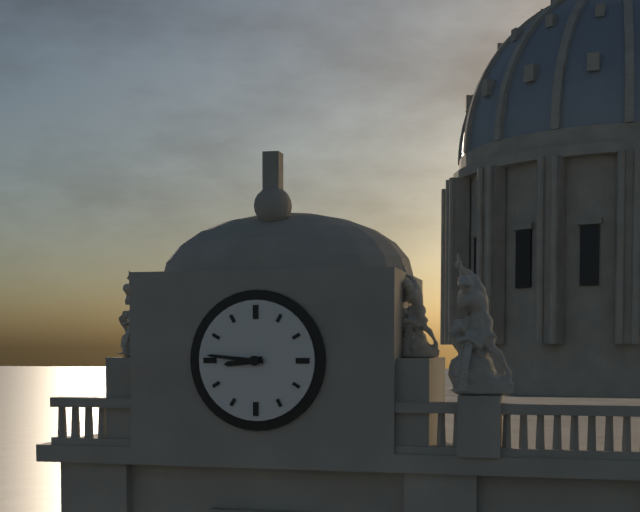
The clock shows h=8 m=46
